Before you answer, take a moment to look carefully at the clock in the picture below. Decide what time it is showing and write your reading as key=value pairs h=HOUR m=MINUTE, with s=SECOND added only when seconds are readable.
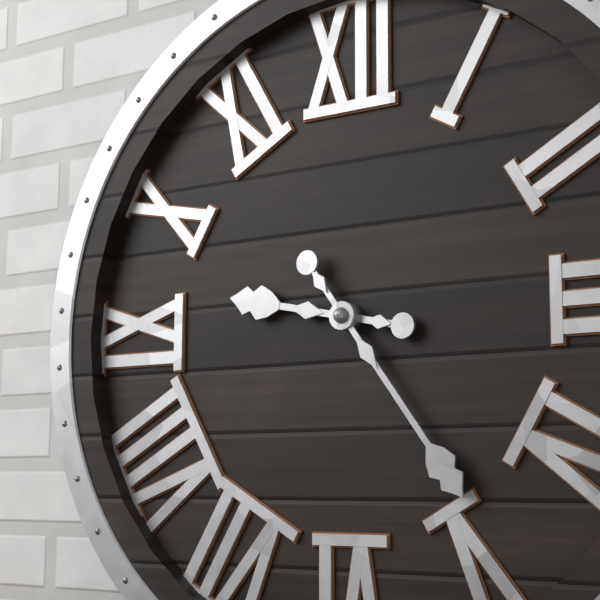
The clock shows h=9 m=24
